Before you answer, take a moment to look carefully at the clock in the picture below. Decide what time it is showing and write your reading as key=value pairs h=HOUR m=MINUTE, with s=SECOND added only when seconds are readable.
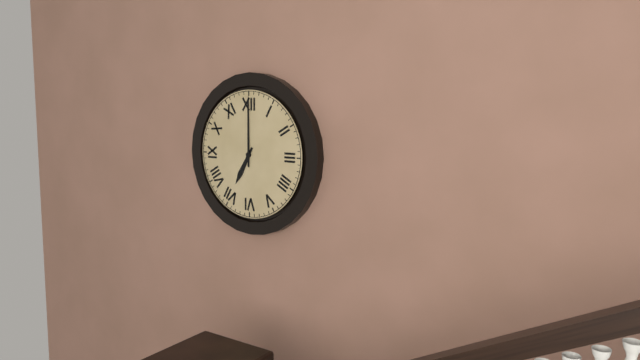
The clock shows h=7 m=0
